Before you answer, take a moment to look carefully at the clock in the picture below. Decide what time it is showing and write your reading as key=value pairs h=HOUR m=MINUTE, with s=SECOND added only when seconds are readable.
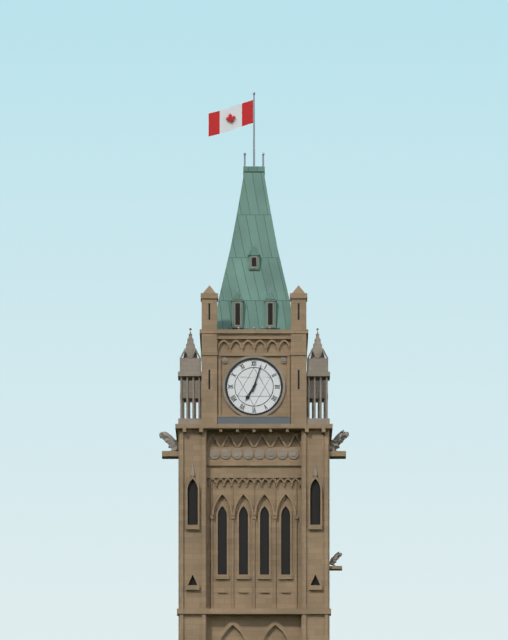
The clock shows h=7 m=3
